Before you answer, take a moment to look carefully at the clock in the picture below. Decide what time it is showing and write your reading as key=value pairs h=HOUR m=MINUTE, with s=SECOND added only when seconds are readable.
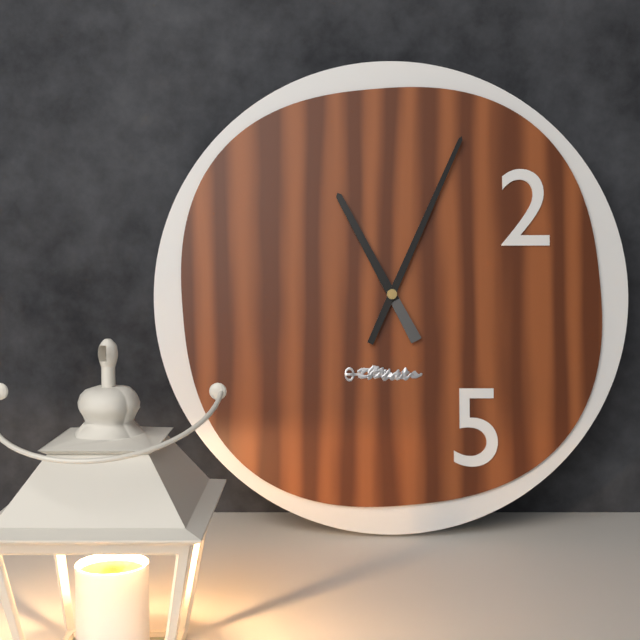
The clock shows h=11 m=4
